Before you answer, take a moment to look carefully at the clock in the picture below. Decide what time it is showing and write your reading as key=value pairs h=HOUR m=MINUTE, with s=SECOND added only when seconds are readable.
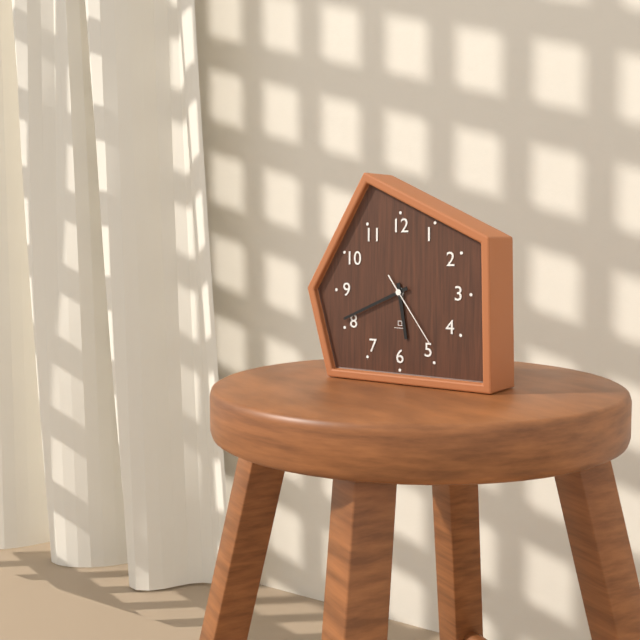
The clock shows h=5 m=41 s=24
